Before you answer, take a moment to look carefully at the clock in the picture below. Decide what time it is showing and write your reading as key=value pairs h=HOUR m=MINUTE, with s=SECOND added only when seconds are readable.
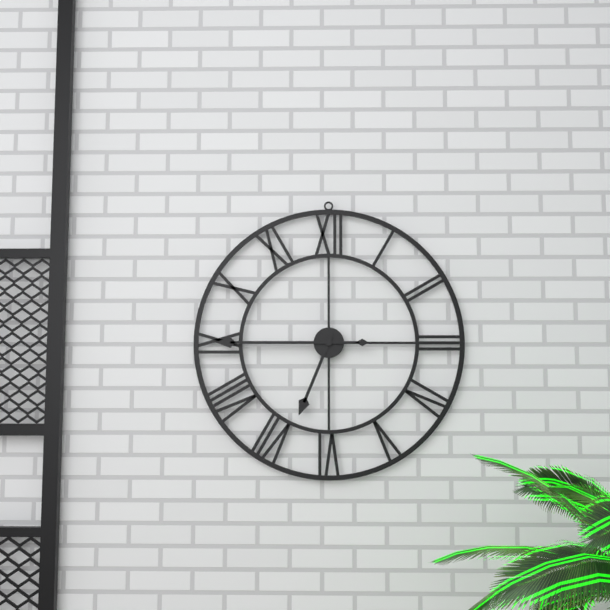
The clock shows h=6 m=45
